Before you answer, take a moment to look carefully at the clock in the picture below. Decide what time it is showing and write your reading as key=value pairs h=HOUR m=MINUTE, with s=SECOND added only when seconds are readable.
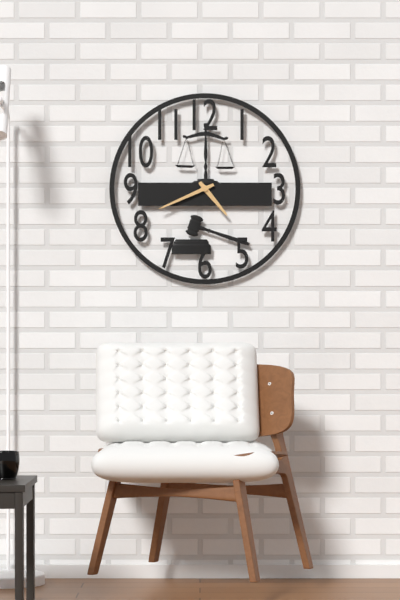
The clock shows h=4 m=41
